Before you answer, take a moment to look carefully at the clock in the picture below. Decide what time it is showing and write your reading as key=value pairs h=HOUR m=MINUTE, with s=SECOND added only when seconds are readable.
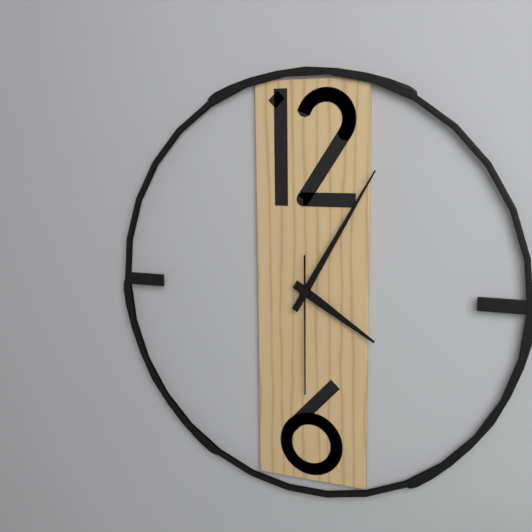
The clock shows h=4 m=5 s=30
